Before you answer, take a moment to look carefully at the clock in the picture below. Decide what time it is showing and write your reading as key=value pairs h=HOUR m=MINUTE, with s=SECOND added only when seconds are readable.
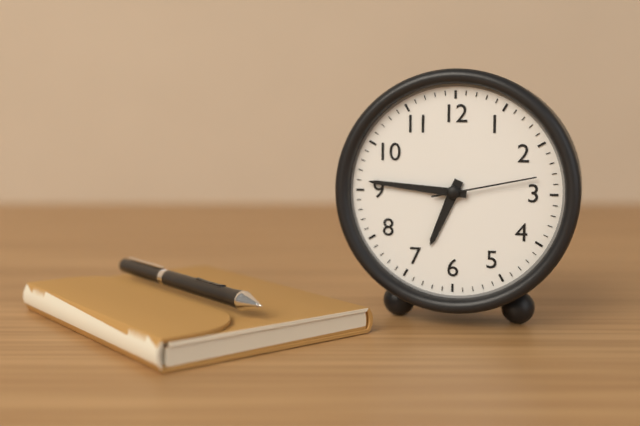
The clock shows h=6 m=46 s=13
